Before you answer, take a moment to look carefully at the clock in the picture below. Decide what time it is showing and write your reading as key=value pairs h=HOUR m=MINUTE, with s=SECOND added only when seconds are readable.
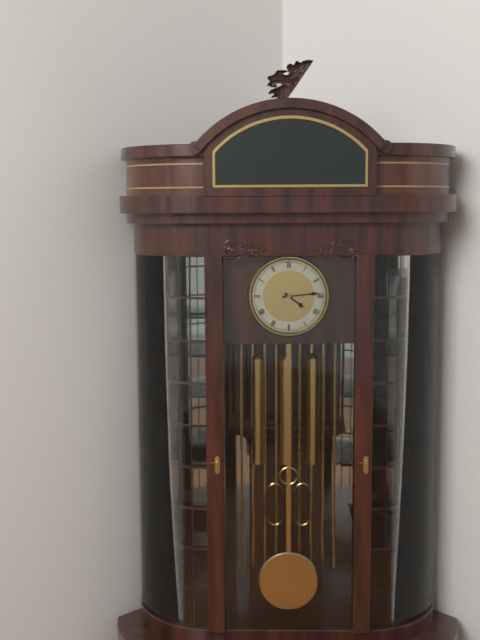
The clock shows h=4 m=14
